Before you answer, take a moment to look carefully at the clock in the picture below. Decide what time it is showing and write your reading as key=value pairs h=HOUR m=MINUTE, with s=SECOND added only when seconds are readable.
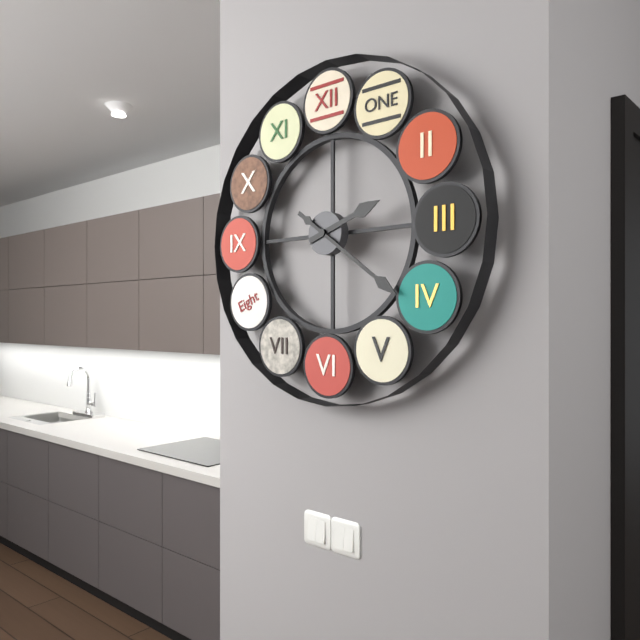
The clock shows h=2 m=21
